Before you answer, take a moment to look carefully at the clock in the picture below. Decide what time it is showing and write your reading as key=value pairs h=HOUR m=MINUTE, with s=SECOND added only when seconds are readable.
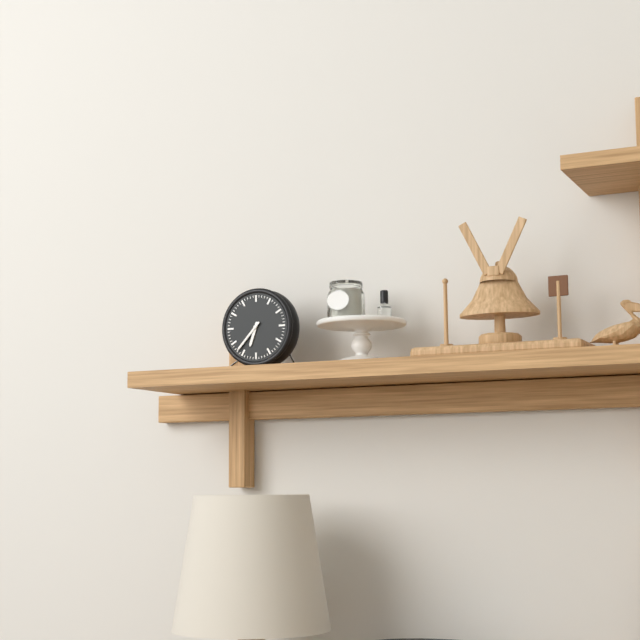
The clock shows h=6 m=37
